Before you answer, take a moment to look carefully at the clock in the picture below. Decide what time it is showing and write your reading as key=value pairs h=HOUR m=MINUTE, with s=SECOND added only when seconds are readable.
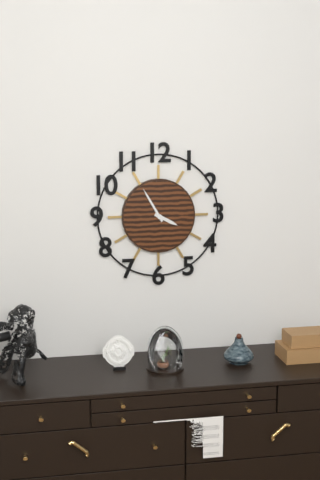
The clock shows h=3 m=55
